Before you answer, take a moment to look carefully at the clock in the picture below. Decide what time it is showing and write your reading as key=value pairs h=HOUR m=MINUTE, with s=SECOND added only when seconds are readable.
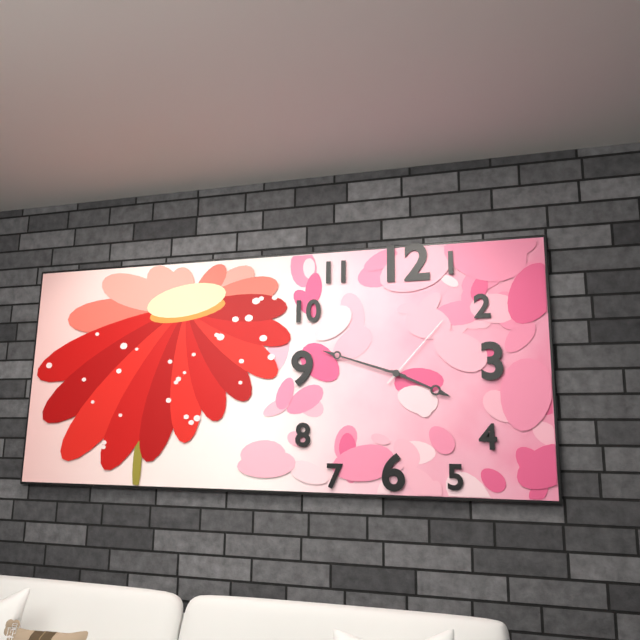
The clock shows h=3 m=48 s=7
